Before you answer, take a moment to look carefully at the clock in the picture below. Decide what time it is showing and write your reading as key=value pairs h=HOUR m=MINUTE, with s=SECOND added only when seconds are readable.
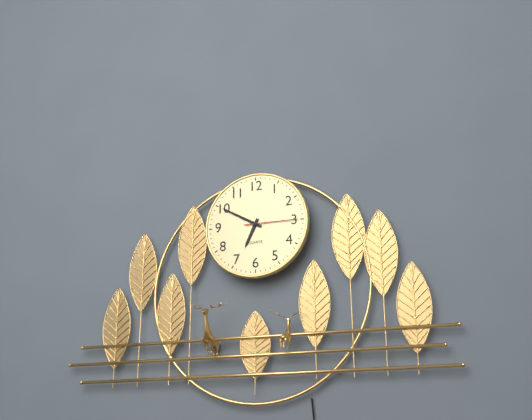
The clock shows h=6 m=50 s=15
